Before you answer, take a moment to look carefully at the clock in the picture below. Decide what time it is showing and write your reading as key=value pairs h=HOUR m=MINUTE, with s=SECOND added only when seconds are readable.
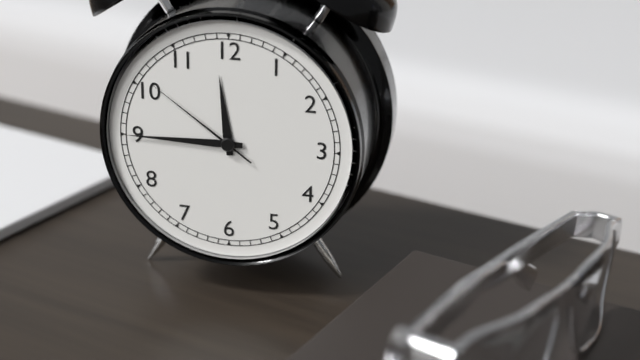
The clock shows h=11 m=45 s=51
